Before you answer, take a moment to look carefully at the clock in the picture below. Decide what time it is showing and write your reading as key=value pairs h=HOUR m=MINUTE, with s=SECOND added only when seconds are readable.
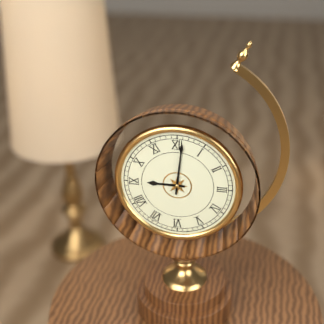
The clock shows h=9 m=1
